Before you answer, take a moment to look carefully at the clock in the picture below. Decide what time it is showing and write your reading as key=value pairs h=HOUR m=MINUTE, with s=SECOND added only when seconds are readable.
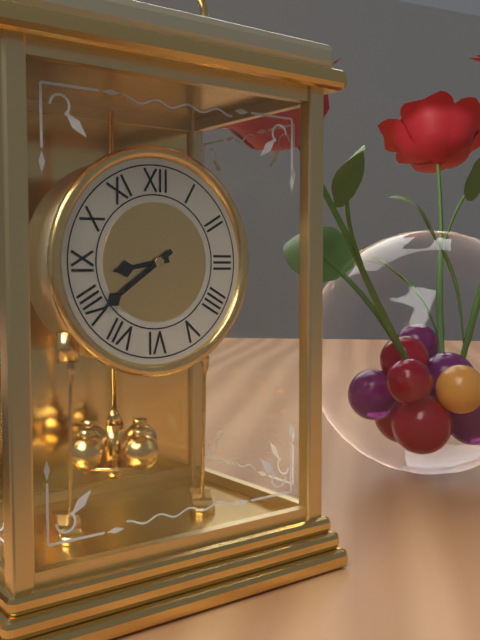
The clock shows h=8 m=39
